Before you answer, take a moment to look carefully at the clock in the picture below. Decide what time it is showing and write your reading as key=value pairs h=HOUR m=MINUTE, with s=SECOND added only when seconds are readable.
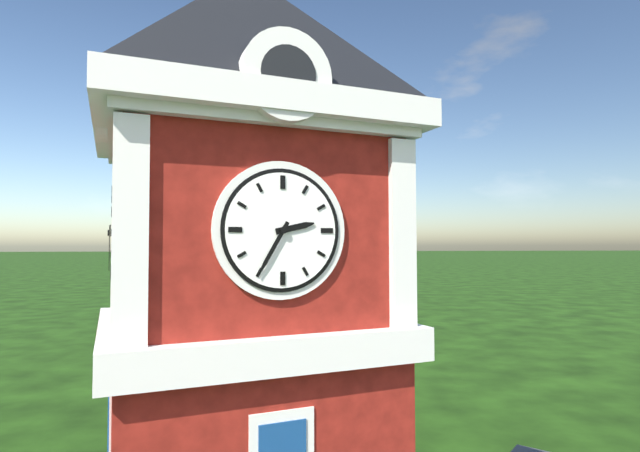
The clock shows h=2 m=35
